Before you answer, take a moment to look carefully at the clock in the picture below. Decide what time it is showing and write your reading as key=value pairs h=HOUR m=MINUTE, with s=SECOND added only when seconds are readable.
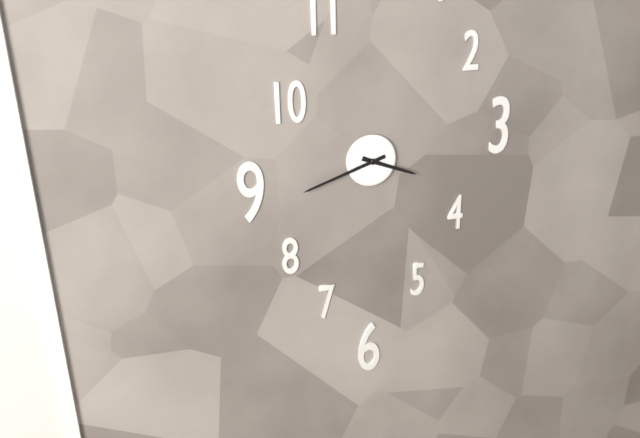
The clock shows h=3 m=42
